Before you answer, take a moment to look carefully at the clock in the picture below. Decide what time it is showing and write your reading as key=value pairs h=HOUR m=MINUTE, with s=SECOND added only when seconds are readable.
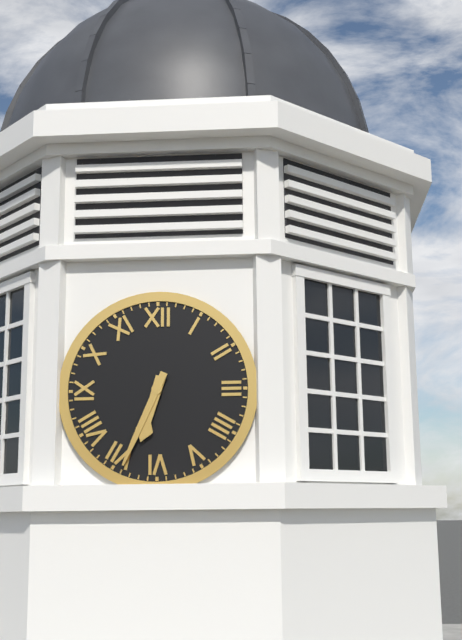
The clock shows h=6 m=34
